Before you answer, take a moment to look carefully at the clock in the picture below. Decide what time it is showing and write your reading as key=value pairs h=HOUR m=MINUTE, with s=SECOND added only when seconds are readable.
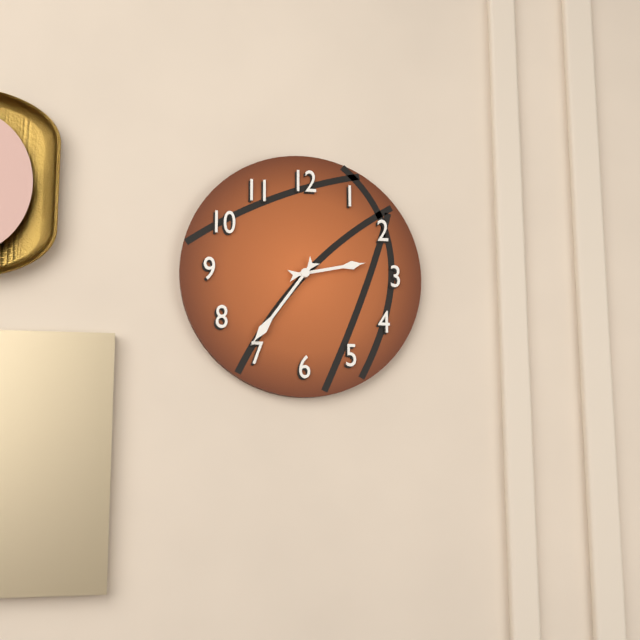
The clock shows h=2 m=36
